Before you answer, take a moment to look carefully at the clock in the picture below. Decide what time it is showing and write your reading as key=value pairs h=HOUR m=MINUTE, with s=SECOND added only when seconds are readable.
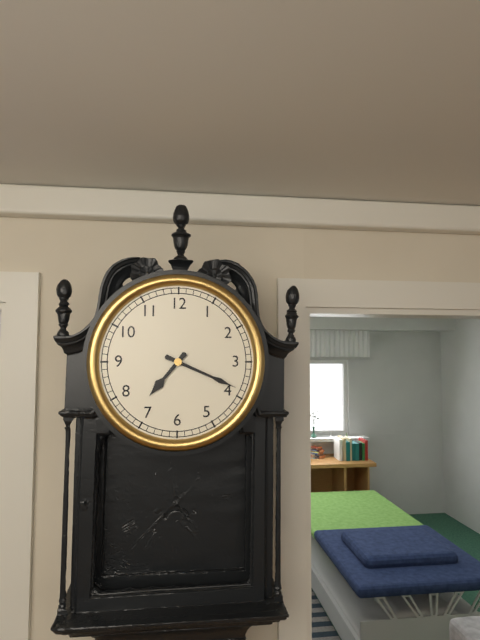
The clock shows h=7 m=19
